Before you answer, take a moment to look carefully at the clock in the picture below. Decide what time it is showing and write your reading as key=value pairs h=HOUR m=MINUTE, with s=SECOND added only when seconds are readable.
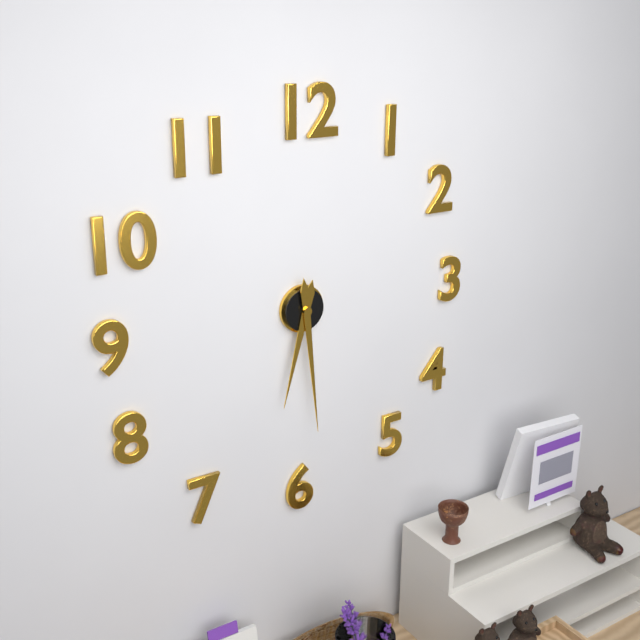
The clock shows h=6 m=29
